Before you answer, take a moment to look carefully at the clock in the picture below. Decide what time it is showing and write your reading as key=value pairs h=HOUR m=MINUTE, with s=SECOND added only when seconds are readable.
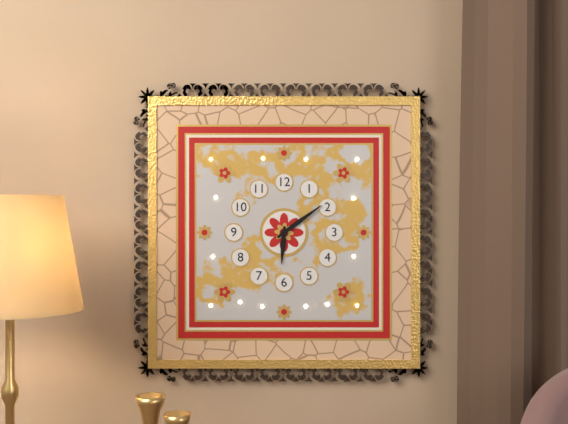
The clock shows h=6 m=9
